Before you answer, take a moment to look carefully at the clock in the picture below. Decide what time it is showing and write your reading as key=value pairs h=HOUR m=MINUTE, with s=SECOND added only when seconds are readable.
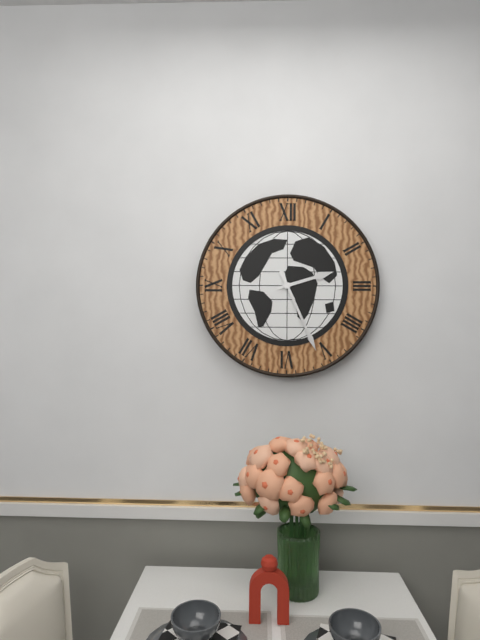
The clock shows h=2 m=26
